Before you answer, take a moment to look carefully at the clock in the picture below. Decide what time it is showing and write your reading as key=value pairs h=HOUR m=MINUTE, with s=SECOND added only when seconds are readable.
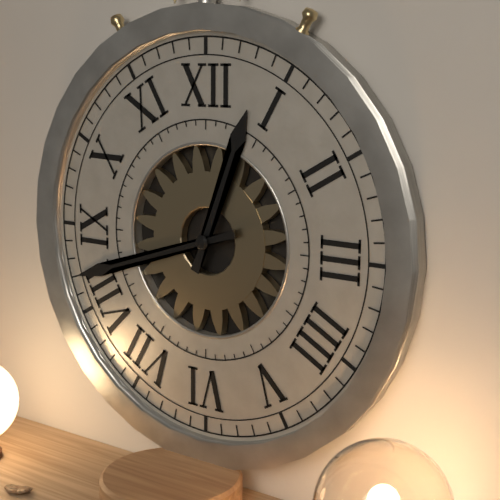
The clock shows h=12 m=42
